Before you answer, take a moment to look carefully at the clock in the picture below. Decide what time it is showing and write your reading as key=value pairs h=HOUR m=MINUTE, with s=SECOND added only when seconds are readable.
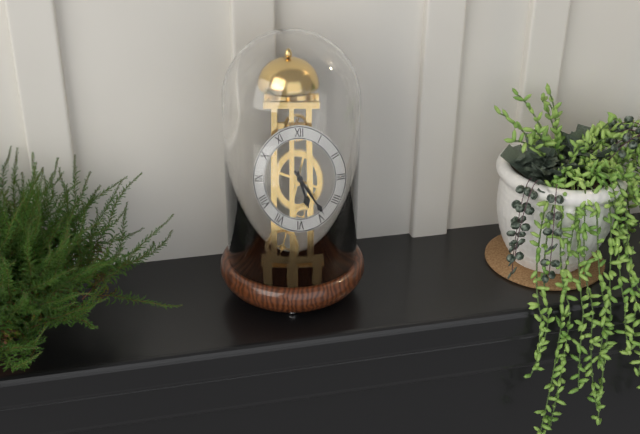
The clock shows h=5 m=24
